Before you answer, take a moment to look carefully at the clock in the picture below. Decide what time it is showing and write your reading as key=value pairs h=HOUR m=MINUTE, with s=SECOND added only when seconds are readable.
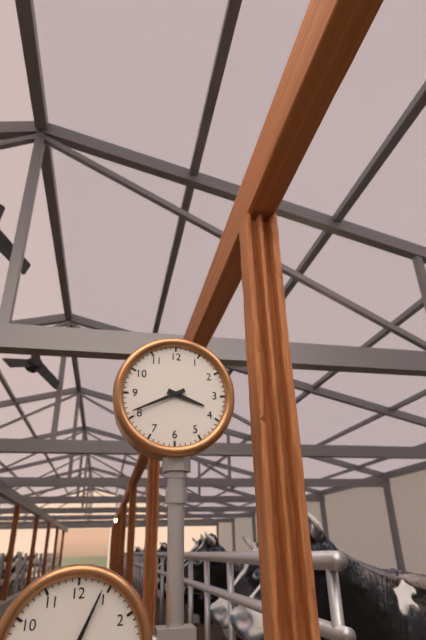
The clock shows h=3 m=41
